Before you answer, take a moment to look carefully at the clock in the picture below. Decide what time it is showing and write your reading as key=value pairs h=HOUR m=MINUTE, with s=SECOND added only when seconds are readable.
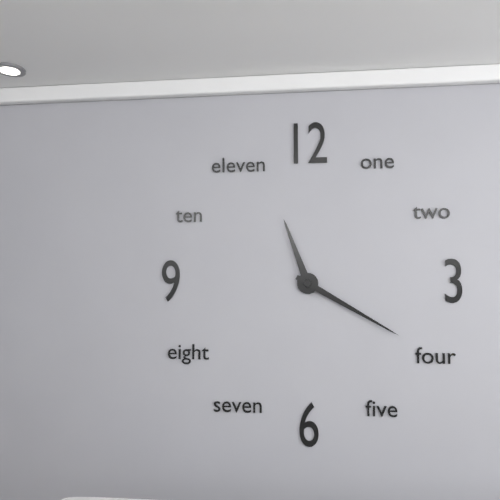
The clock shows h=11 m=20
